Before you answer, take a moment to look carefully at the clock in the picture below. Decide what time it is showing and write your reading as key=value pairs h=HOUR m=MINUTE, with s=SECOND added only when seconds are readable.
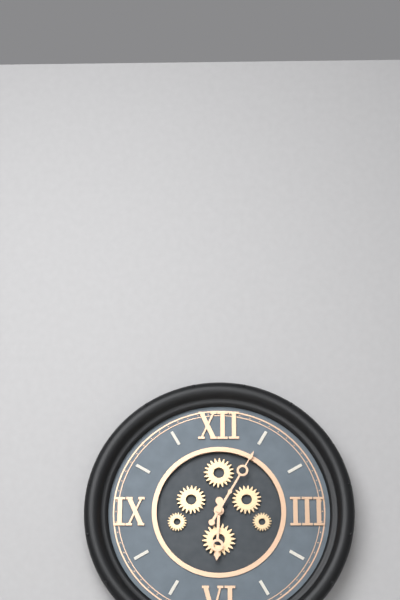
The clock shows h=6 m=5
